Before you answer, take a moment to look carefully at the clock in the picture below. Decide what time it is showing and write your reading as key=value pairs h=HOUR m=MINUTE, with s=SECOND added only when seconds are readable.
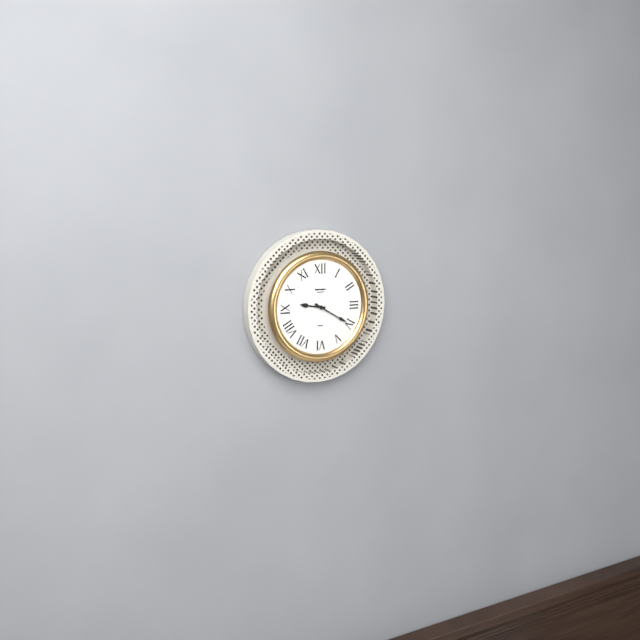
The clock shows h=9 m=20
